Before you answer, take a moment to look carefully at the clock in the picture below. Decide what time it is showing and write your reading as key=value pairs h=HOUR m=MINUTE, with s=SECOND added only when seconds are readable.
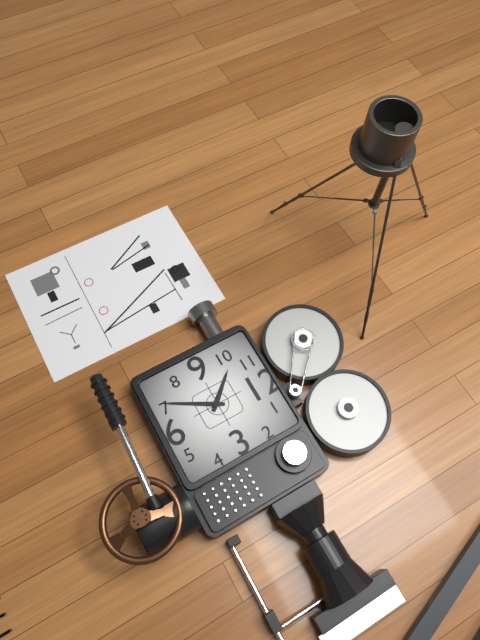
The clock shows h=10 m=35
